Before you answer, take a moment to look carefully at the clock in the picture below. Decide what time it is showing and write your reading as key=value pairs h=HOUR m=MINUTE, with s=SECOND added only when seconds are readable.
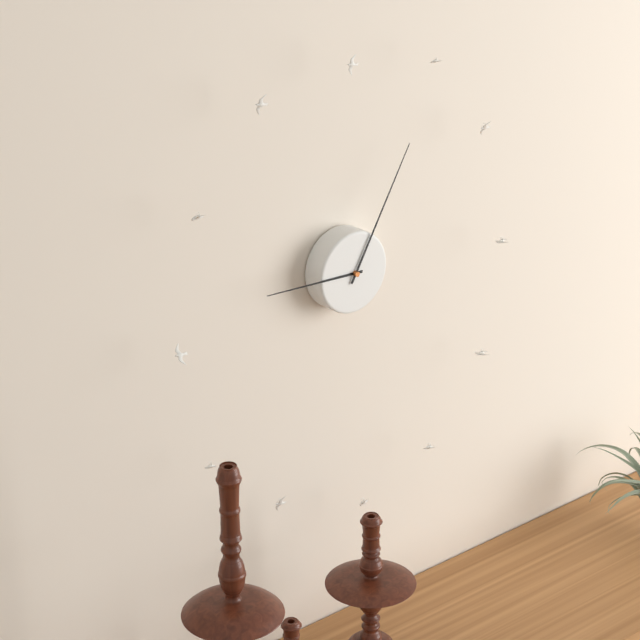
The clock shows h=9 m=5
